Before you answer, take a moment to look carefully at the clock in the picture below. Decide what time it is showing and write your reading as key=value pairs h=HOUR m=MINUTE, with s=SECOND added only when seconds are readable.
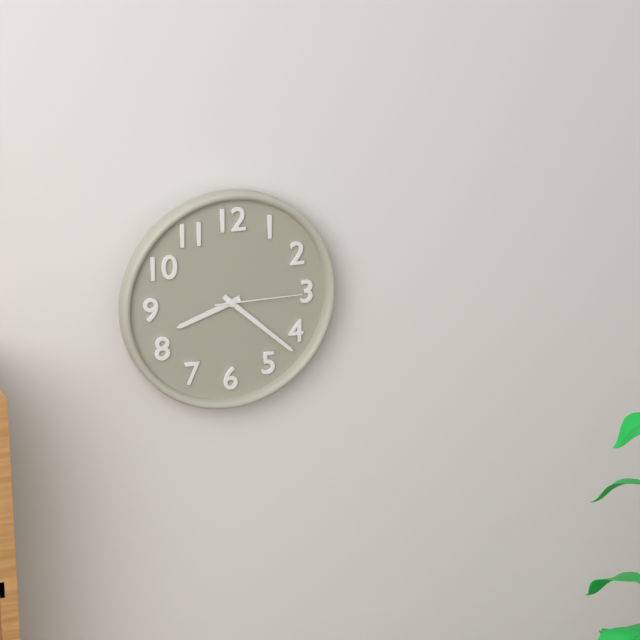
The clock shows h=8 m=22 s=15
